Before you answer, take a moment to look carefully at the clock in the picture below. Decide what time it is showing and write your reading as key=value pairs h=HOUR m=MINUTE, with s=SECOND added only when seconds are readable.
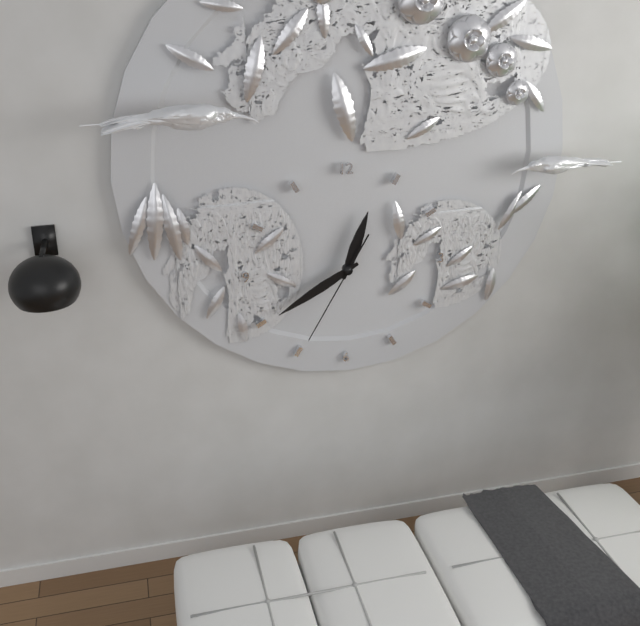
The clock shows h=12 m=40 s=35
